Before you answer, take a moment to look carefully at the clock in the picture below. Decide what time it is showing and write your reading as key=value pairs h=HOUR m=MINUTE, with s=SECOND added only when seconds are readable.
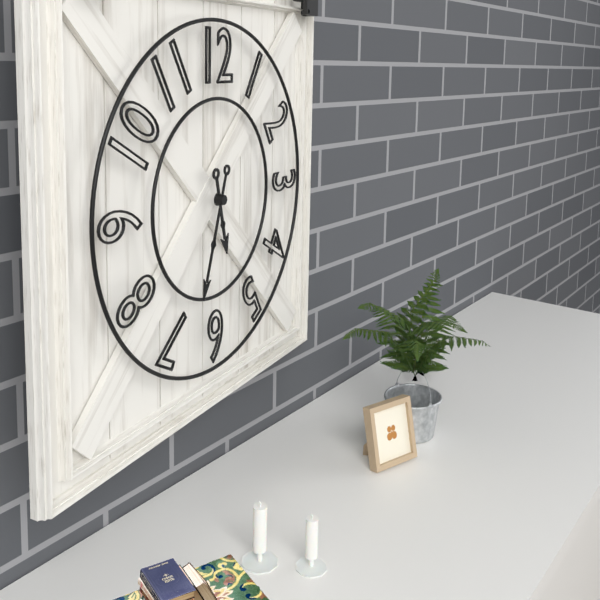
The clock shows h=5 m=33
